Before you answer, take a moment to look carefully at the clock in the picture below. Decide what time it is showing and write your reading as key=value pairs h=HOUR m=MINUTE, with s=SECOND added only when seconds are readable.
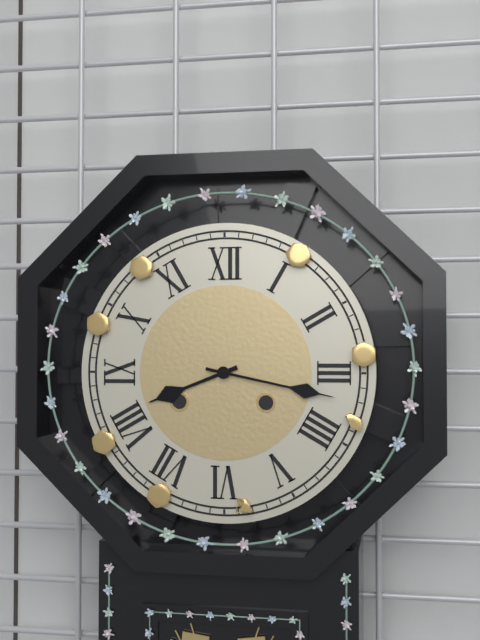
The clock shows h=8 m=17
